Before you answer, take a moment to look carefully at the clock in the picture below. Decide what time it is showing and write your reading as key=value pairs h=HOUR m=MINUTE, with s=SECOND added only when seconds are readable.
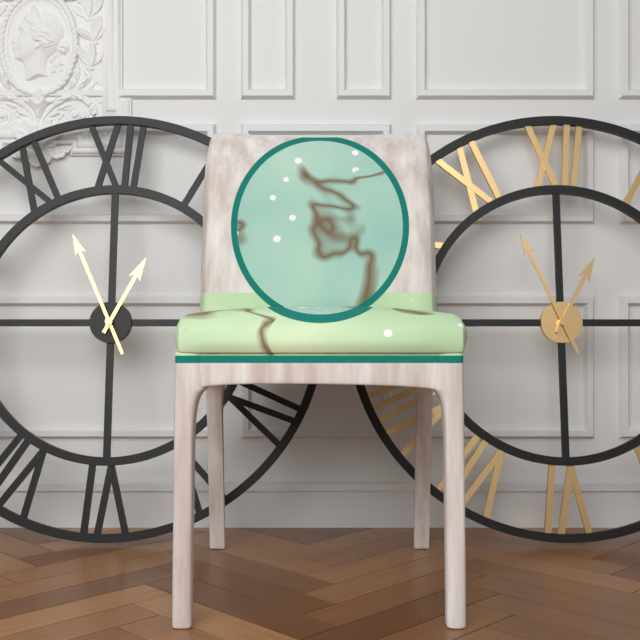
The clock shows h=12 m=56
